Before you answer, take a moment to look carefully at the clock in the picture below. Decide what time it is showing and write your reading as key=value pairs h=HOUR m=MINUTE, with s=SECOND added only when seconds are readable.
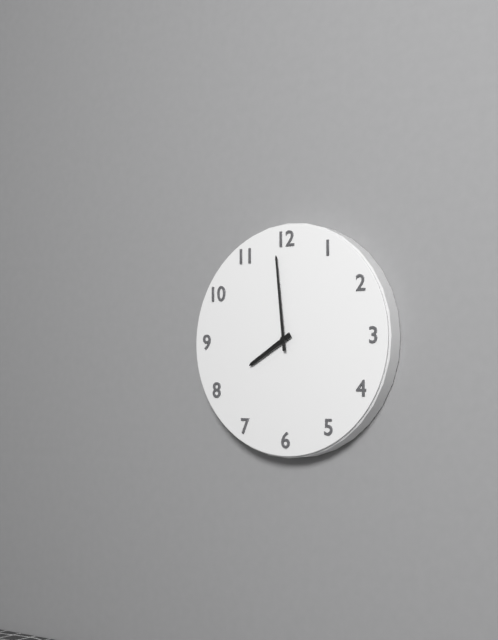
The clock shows h=7 m=59
